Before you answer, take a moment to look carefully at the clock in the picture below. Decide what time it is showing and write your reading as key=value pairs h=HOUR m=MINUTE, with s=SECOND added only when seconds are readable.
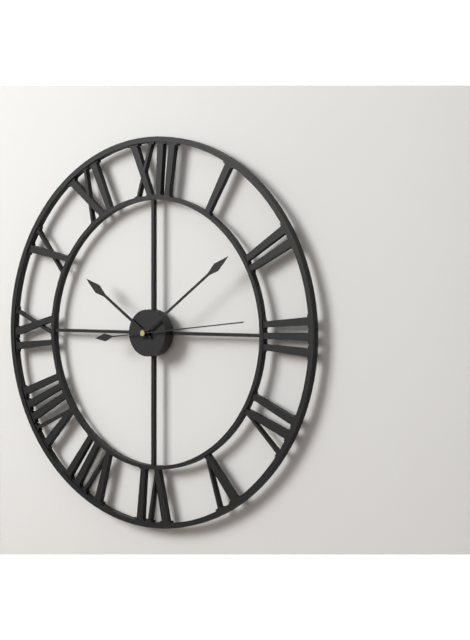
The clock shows h=10 m=9 s=14
